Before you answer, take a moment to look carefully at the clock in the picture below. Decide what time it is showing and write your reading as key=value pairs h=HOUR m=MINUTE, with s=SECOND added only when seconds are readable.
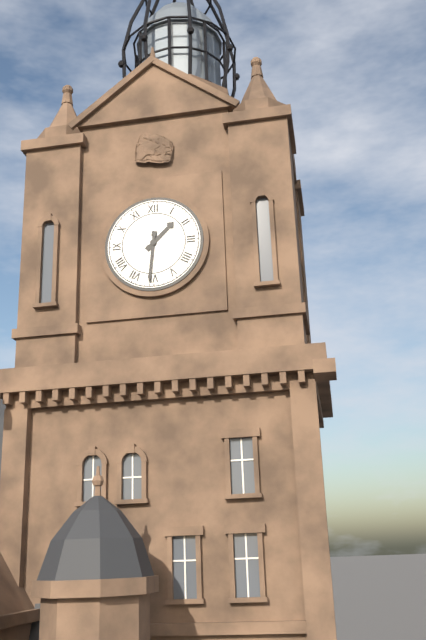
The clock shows h=1 m=31
